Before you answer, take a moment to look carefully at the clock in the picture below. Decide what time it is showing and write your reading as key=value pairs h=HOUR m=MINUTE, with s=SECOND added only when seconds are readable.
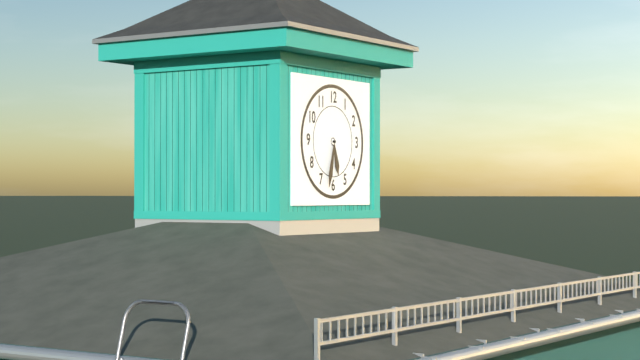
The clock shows h=5 m=32
